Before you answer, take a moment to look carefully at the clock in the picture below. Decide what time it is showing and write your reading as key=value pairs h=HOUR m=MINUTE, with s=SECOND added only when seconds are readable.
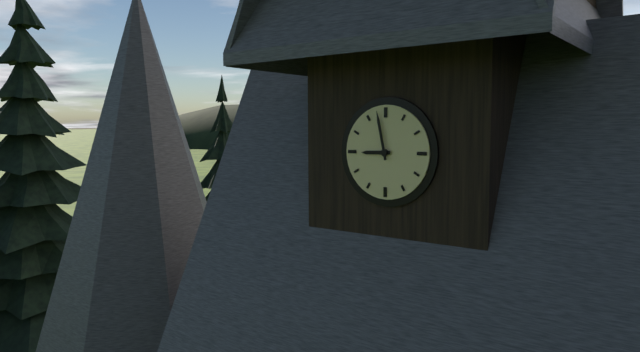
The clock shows h=8 m=58
